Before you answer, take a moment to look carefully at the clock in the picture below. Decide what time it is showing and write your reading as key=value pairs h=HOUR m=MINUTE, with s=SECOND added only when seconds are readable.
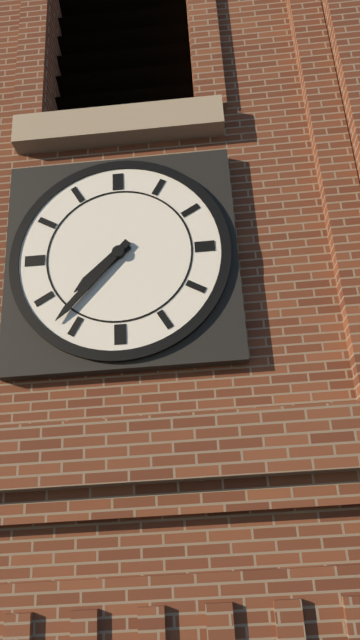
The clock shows h=7 m=37
